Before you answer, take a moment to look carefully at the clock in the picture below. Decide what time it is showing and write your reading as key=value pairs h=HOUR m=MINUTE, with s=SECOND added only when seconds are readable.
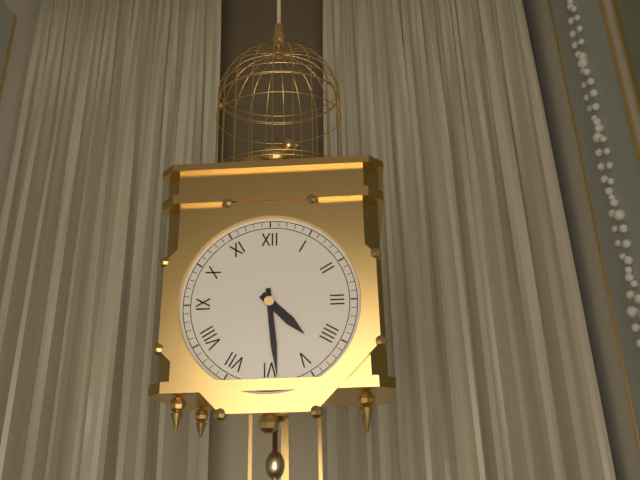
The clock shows h=4 m=29
